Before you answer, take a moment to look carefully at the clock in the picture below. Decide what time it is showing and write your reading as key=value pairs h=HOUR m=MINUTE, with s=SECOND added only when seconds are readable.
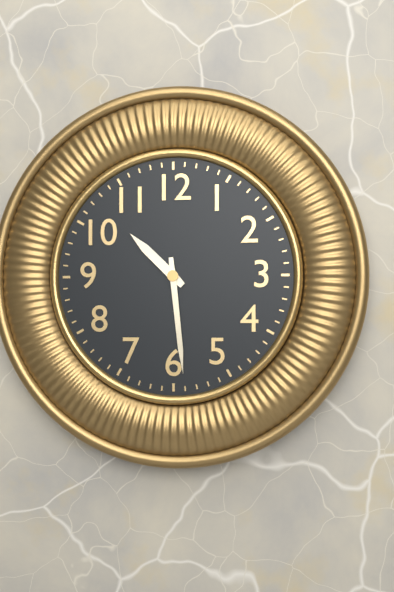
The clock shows h=10 m=29
